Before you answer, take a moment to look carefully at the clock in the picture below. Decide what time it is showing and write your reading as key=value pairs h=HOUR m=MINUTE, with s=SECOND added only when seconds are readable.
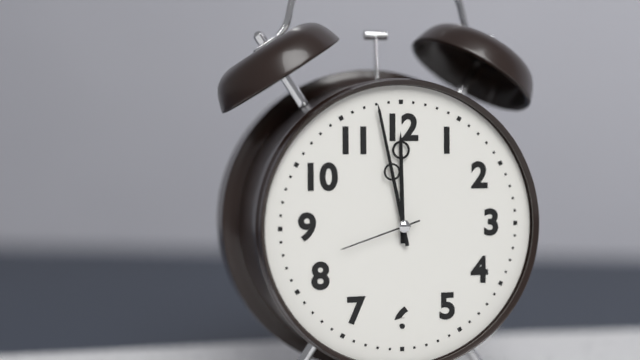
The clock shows h=11 m=58 s=42
